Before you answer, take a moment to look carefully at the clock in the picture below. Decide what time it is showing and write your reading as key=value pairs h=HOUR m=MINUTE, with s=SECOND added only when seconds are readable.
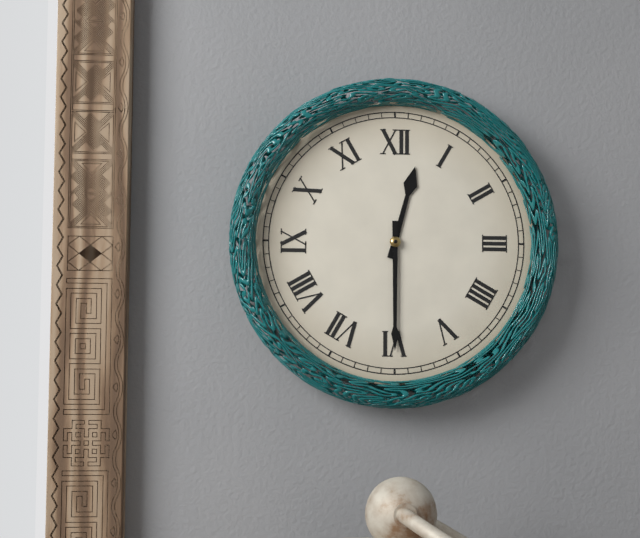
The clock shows h=12 m=30
